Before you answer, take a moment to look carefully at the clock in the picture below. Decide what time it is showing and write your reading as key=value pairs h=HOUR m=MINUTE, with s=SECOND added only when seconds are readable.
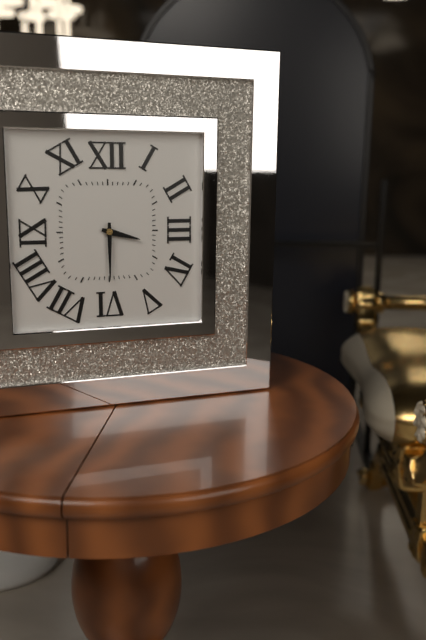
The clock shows h=3 m=30
